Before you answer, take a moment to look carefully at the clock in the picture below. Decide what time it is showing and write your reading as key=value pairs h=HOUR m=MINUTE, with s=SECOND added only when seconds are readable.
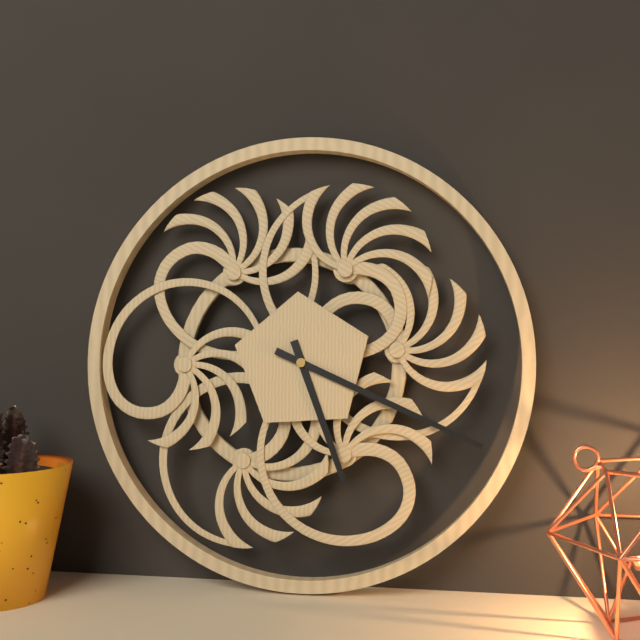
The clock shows h=5 m=19
